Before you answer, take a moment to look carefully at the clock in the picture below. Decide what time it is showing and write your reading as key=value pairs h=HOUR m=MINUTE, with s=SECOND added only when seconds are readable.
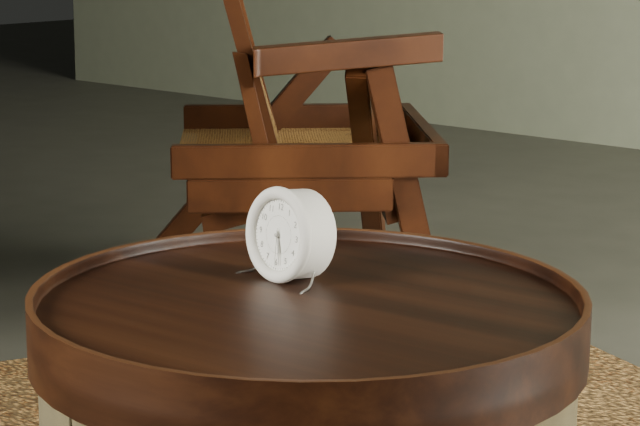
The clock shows h=5 m=28
